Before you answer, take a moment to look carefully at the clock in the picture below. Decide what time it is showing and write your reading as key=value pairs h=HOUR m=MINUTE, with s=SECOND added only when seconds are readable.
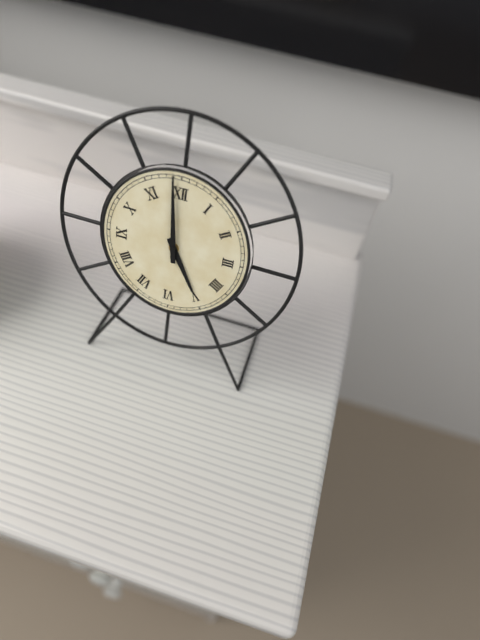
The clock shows h=4 m=59
